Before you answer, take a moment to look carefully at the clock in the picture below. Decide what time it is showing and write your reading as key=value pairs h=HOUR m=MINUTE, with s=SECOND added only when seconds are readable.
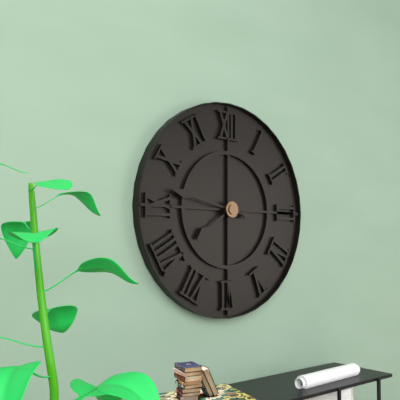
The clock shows h=7 m=47
